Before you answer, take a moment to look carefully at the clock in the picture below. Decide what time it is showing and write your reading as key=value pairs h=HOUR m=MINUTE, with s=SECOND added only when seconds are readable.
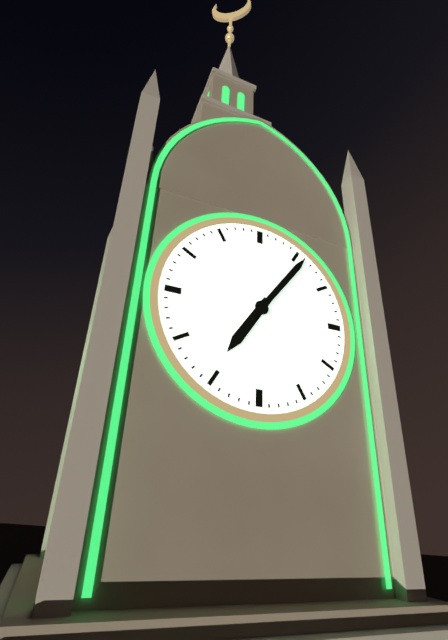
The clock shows h=7 m=6
